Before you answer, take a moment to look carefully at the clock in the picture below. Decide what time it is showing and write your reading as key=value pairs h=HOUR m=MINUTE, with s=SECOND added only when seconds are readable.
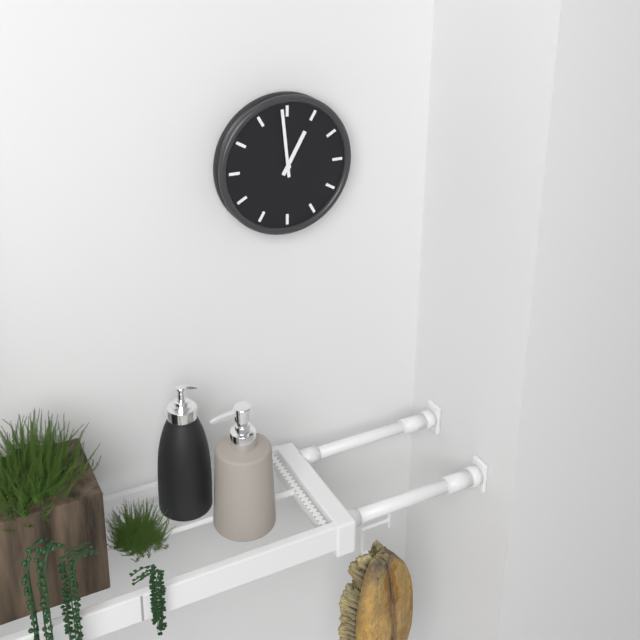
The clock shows h=12 m=59
